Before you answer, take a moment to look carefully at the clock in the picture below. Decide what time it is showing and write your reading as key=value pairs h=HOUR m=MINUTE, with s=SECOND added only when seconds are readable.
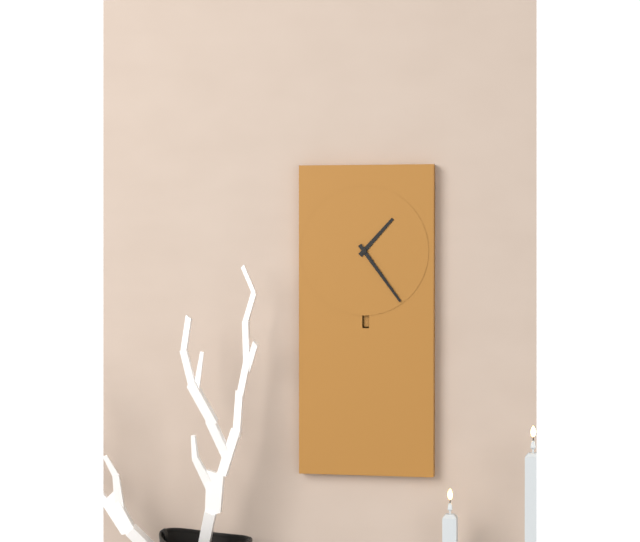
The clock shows h=1 m=24
